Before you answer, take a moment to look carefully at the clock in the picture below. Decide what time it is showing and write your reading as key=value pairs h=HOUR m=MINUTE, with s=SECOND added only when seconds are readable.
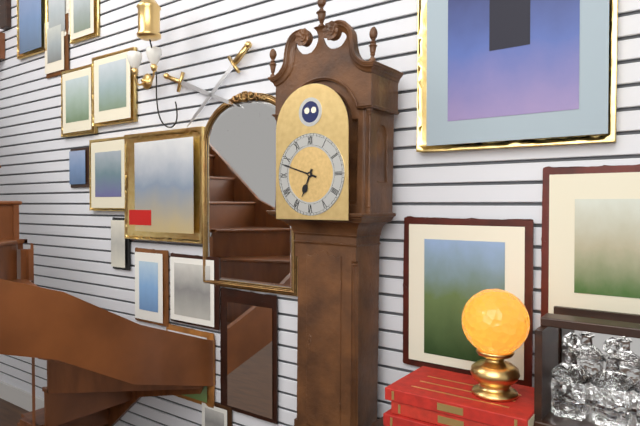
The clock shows h=6 m=48
